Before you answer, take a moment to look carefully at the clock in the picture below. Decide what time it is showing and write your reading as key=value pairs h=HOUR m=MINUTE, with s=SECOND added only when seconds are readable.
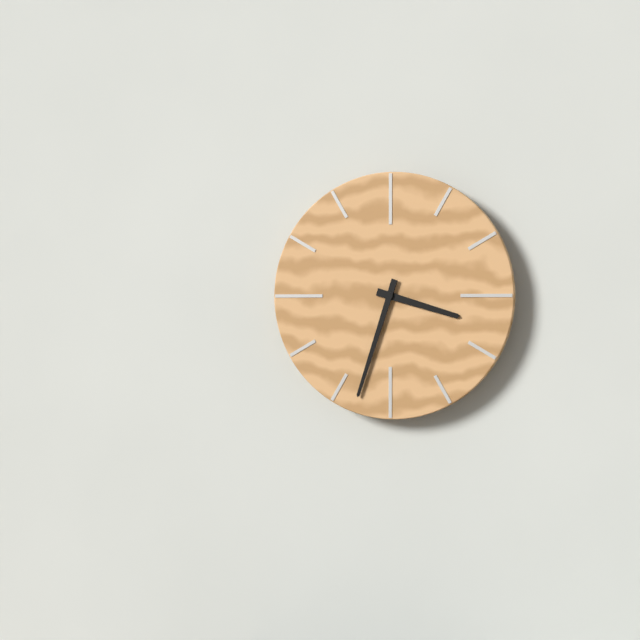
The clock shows h=3 m=33
